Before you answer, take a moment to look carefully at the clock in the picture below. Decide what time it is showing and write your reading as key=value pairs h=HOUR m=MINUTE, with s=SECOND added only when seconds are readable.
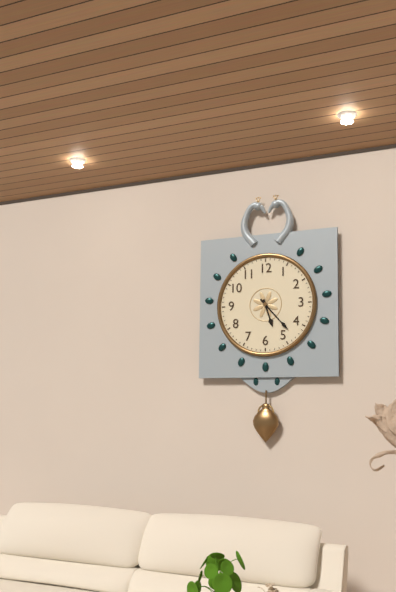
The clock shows h=5 m=23
